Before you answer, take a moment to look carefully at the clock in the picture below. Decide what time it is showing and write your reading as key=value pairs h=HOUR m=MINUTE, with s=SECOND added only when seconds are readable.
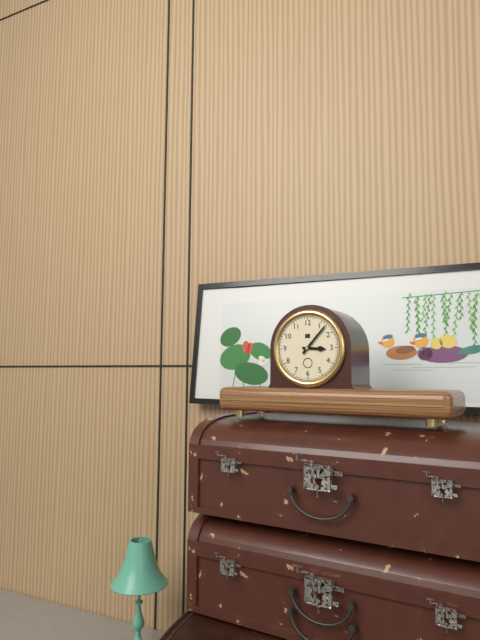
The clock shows h=3 m=7
